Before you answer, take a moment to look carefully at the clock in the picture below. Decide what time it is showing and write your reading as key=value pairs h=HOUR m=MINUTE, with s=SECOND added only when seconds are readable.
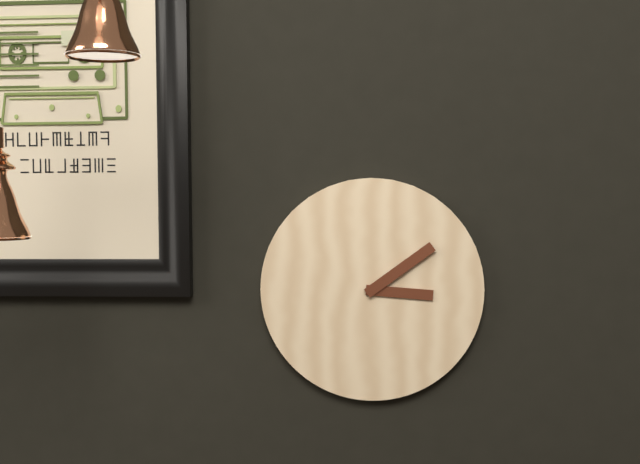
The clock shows h=3 m=9
